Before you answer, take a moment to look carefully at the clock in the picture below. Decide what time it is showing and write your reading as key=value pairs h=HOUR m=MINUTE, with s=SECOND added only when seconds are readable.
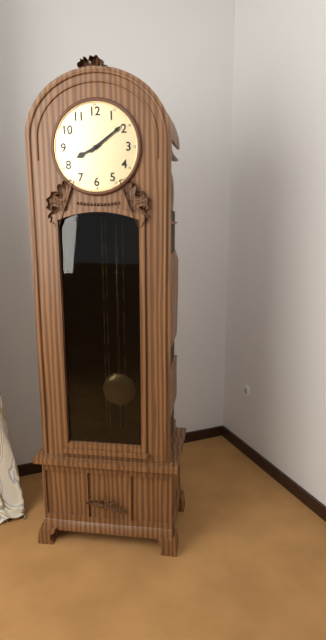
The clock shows h=8 m=9
